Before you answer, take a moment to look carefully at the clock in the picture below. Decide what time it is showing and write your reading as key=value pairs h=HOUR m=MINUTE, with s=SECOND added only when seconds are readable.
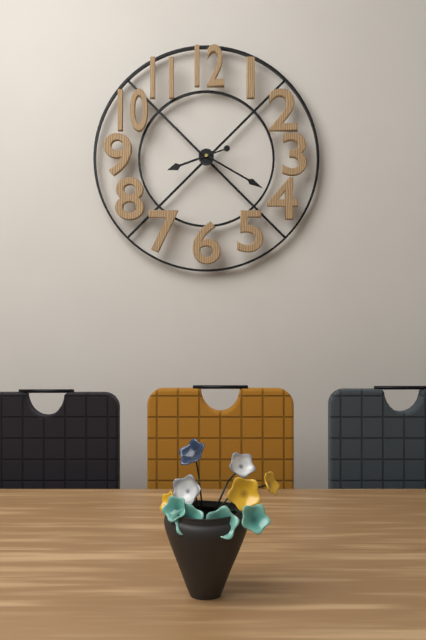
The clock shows h=8 m=20
